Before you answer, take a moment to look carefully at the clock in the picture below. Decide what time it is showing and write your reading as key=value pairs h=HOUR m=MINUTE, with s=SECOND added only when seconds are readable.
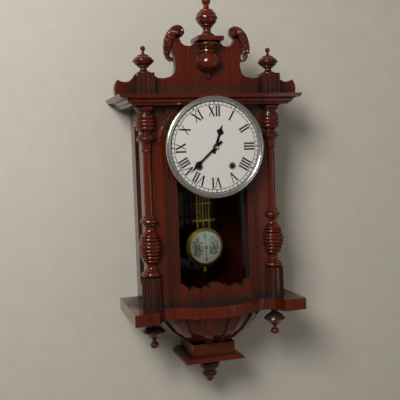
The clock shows h=12 m=38
